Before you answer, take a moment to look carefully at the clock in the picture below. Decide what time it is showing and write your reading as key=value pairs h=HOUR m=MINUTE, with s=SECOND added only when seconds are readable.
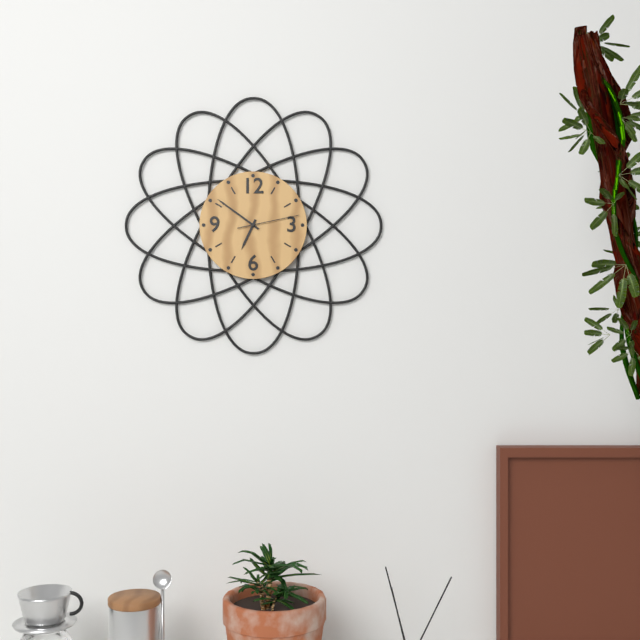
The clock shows h=6 m=51 s=13
